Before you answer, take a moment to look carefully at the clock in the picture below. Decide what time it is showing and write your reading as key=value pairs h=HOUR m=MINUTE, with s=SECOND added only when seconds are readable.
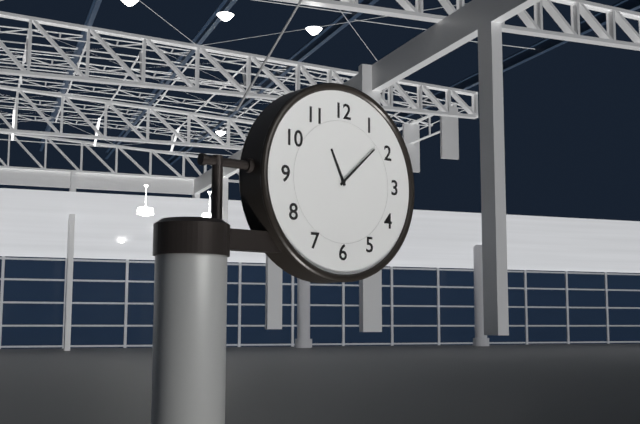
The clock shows h=11 m=8
